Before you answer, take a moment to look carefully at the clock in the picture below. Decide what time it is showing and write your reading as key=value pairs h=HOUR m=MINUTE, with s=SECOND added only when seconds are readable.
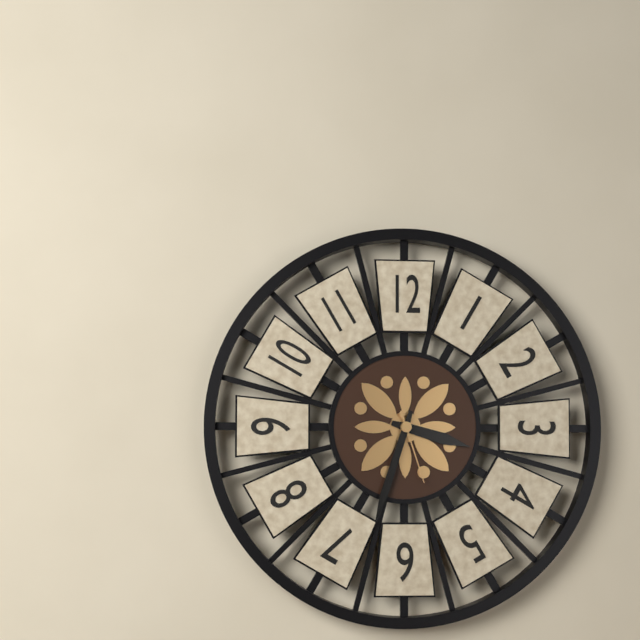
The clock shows h=3 m=33 s=27
